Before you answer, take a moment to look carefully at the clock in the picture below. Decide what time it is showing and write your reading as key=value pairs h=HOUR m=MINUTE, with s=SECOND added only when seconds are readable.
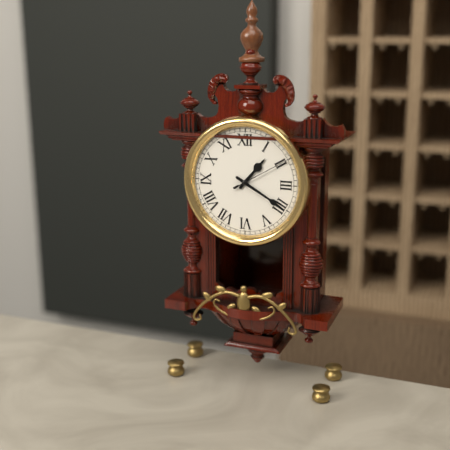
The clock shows h=1 m=20 s=10
